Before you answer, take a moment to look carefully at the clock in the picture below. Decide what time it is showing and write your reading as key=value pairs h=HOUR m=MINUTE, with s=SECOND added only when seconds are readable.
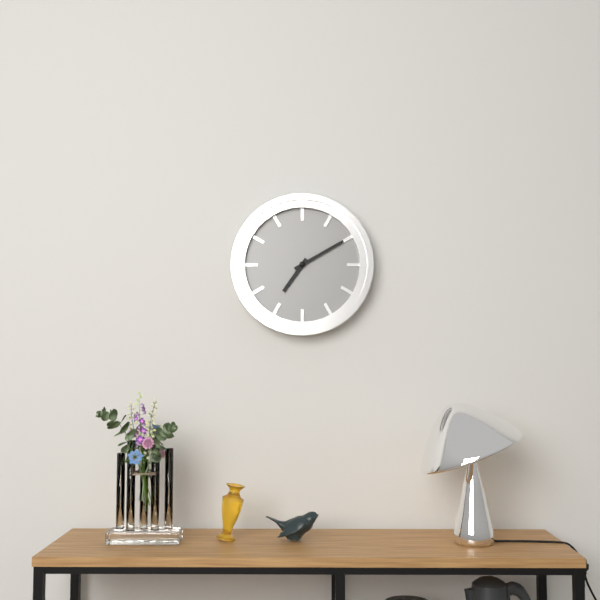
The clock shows h=7 m=10
